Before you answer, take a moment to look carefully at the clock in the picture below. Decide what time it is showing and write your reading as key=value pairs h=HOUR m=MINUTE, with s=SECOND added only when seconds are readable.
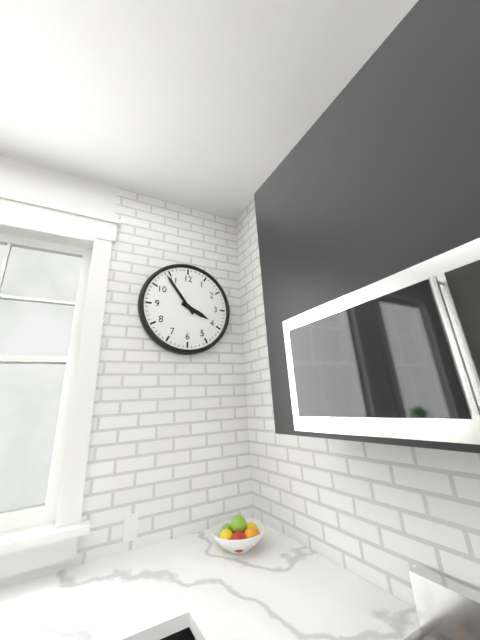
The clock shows h=3 m=54
